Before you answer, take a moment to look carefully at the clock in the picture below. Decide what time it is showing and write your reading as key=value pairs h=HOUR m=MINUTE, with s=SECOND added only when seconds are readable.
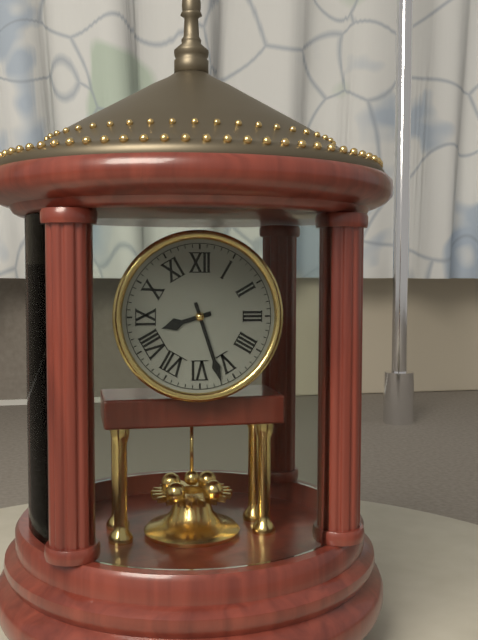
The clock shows h=8 m=27
